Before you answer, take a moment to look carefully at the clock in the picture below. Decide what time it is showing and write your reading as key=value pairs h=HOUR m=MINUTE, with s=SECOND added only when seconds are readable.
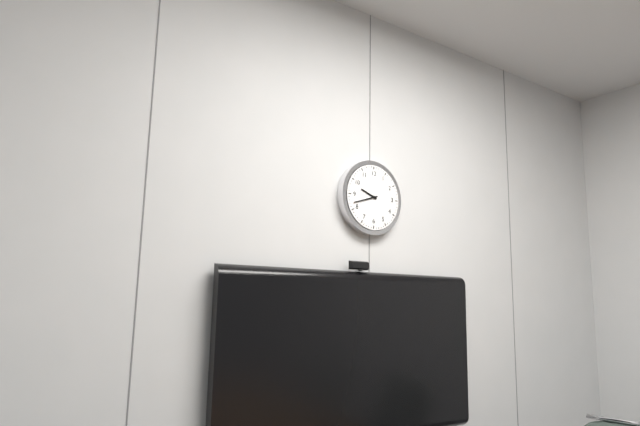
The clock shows h=9 m=42
